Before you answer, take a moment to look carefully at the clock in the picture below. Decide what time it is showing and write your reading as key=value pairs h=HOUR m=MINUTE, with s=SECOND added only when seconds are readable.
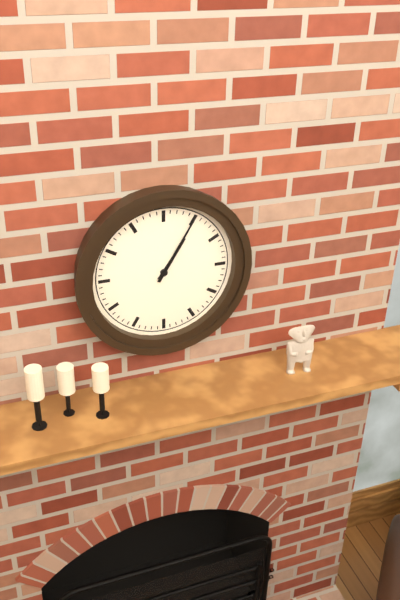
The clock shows h=1 m=5
